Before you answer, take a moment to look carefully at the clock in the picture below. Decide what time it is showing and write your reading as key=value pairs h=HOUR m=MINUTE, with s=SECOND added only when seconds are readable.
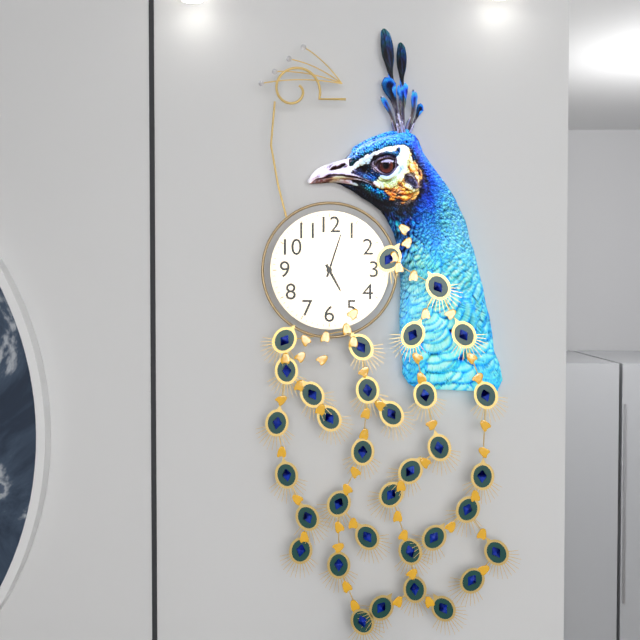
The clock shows h=5 m=3
